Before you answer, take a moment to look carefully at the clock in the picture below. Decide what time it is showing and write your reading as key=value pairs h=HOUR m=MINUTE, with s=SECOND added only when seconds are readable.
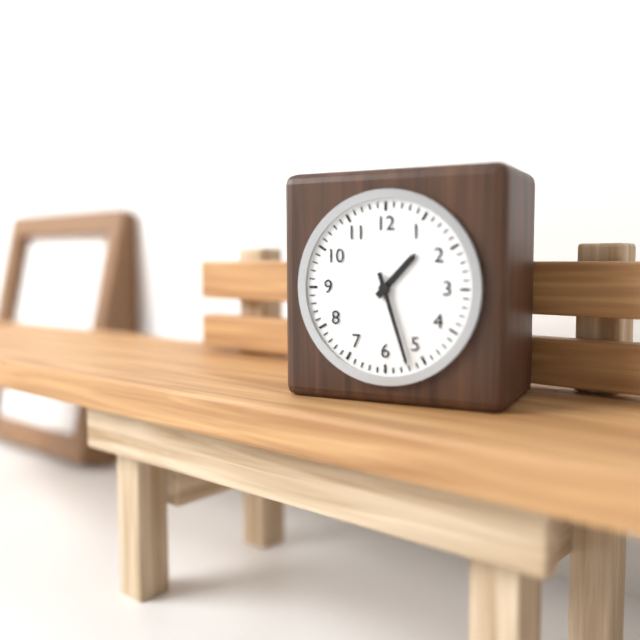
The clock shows h=1 m=27
